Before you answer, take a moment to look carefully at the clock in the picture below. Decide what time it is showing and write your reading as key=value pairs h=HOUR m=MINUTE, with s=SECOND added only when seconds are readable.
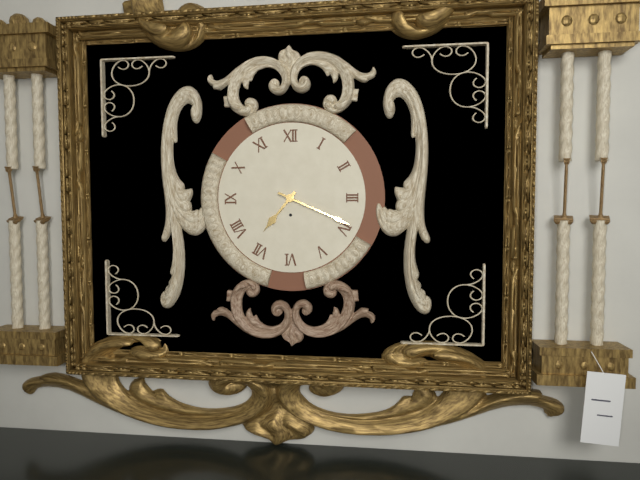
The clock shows h=7 m=19
